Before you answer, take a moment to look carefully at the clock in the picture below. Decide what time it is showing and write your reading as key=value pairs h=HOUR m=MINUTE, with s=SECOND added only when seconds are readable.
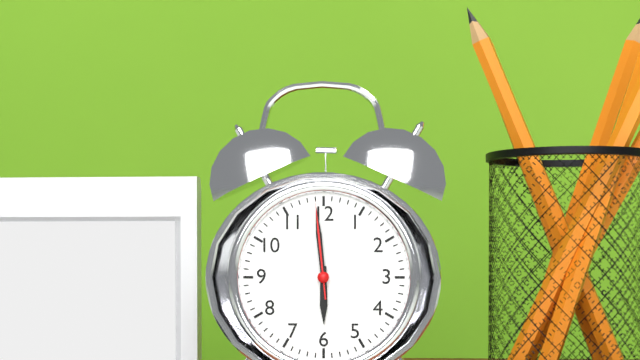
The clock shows h=5 m=59 s=59
